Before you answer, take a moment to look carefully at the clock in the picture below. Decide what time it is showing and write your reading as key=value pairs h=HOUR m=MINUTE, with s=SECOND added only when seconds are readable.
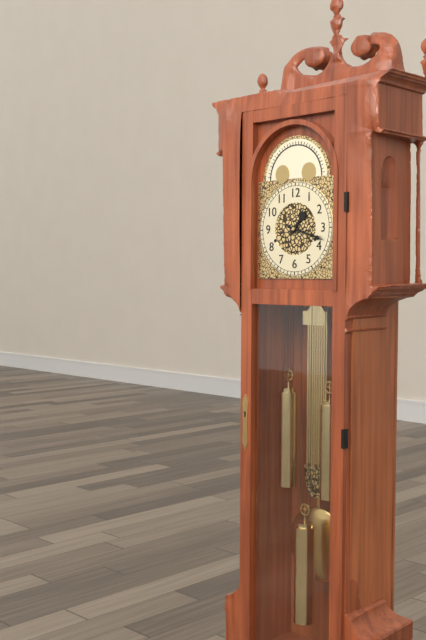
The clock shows h=1 m=18
